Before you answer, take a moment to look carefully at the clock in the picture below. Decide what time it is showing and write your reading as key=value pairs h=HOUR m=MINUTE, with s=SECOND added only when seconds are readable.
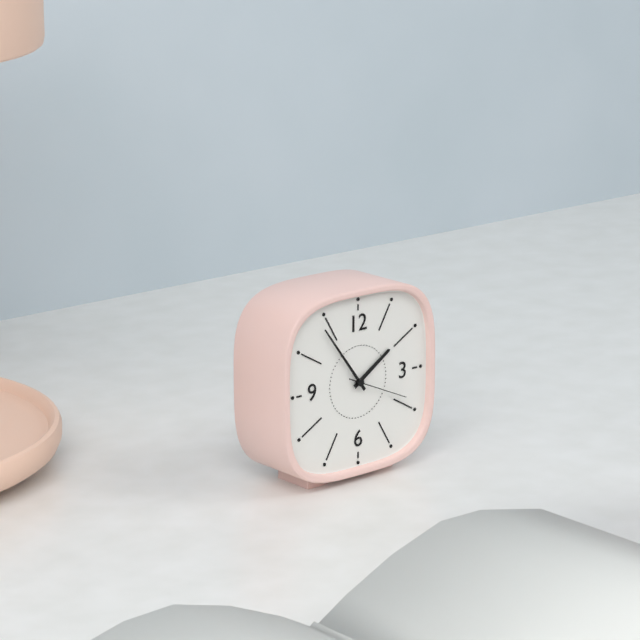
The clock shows h=1 m=54 s=19
